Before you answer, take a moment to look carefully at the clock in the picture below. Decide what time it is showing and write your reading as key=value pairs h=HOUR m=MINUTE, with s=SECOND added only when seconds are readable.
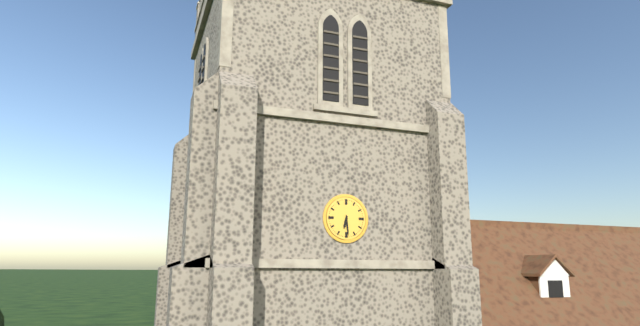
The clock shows h=6 m=29
